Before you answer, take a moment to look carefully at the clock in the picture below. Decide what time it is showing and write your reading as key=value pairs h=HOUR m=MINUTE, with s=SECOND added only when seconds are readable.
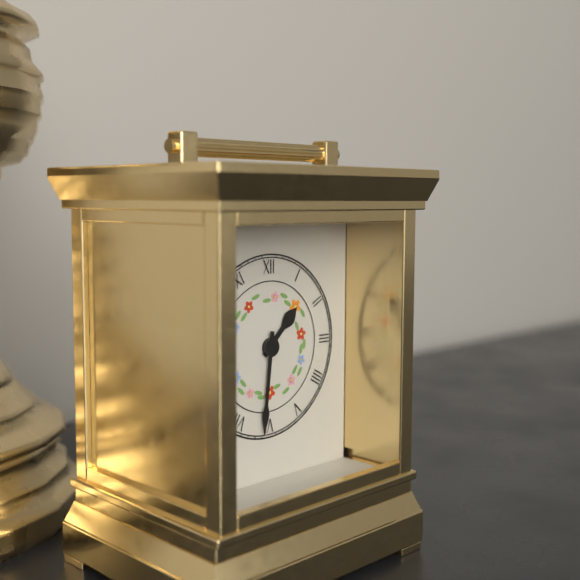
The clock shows h=1 m=31
